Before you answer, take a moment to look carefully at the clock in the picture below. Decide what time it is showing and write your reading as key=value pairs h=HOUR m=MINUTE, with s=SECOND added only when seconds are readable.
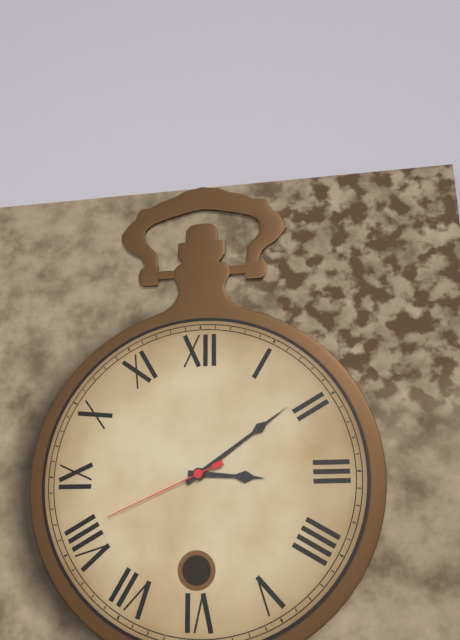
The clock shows h=3 m=9 s=41
